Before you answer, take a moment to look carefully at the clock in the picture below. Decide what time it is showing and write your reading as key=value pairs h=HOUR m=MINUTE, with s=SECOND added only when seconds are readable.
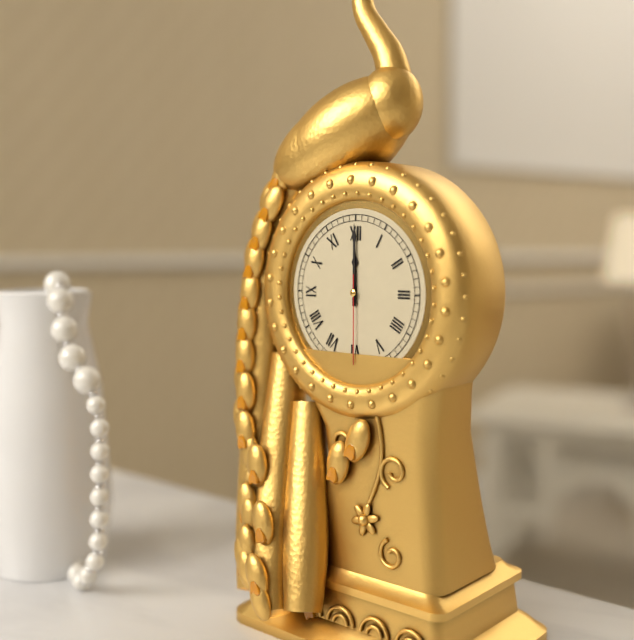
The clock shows h=12 m=0 s=30
